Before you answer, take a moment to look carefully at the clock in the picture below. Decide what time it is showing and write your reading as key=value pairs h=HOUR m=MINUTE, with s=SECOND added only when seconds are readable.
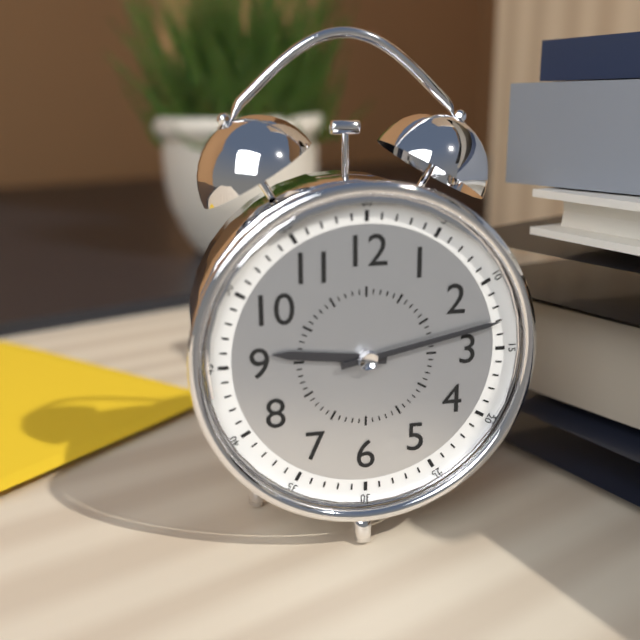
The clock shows h=9 m=13
